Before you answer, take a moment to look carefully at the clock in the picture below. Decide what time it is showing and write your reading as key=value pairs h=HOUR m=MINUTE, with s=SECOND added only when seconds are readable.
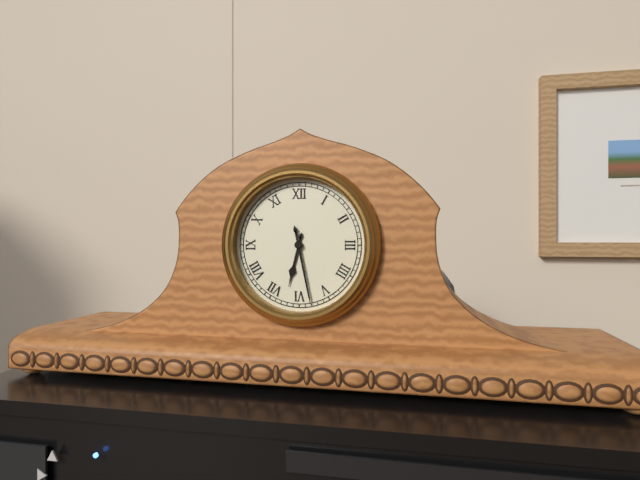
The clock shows h=6 m=28
